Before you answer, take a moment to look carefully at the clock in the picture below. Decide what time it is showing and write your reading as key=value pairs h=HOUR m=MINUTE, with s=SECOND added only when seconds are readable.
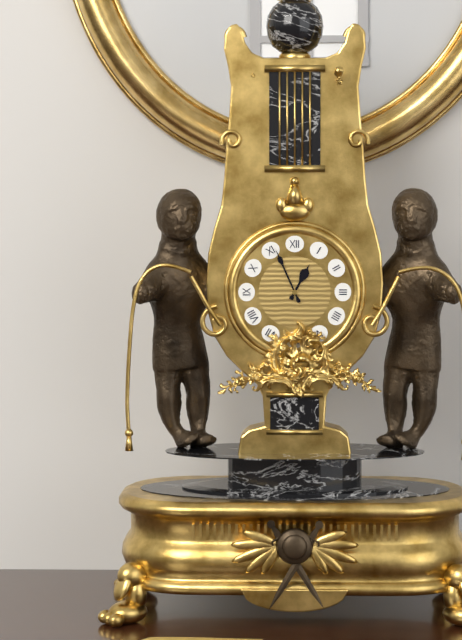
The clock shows h=12 m=56
